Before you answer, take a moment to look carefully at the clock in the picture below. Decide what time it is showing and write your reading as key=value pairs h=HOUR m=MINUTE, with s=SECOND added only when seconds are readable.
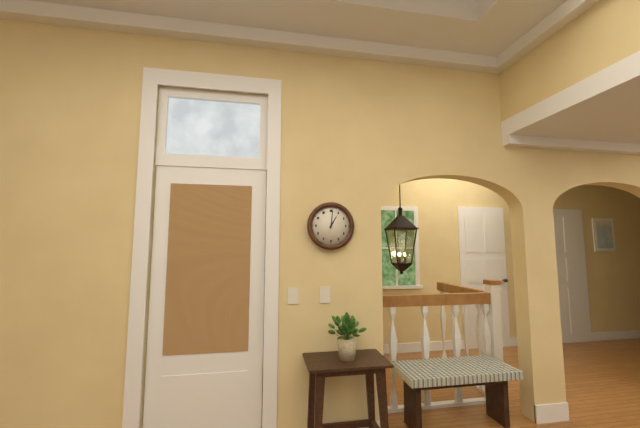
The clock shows h=1 m=1
